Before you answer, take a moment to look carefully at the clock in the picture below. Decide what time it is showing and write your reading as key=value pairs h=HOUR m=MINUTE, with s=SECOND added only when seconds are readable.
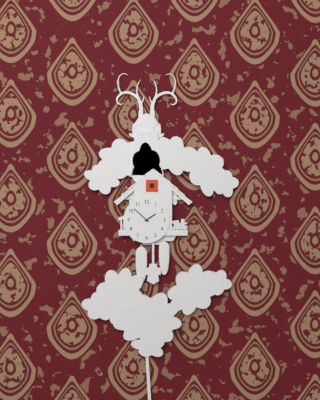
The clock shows h=1 m=52
